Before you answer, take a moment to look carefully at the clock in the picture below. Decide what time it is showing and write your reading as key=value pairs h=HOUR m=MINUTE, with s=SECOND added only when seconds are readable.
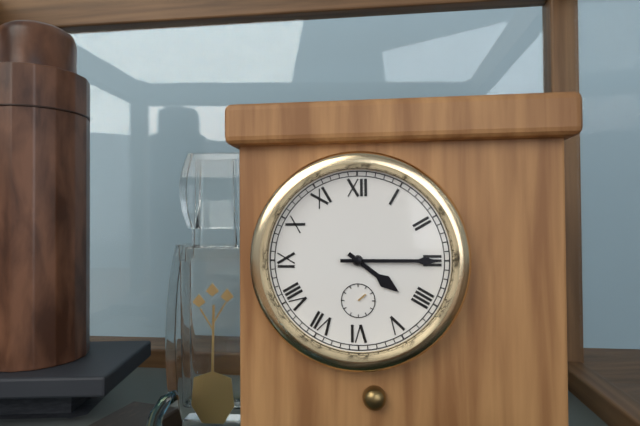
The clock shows h=4 m=15
